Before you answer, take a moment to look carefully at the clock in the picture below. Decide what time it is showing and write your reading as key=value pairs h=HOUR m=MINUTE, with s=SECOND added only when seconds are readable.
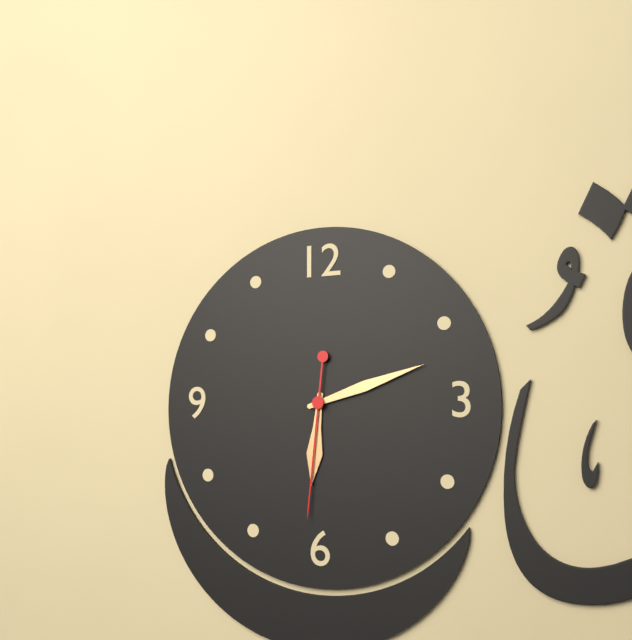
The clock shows h=6 m=12 s=31
